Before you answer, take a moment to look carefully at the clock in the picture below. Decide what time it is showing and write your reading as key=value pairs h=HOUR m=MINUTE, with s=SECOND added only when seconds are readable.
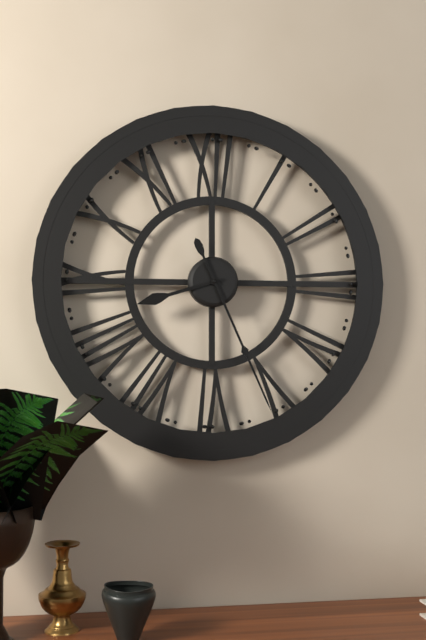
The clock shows h=8 m=26
